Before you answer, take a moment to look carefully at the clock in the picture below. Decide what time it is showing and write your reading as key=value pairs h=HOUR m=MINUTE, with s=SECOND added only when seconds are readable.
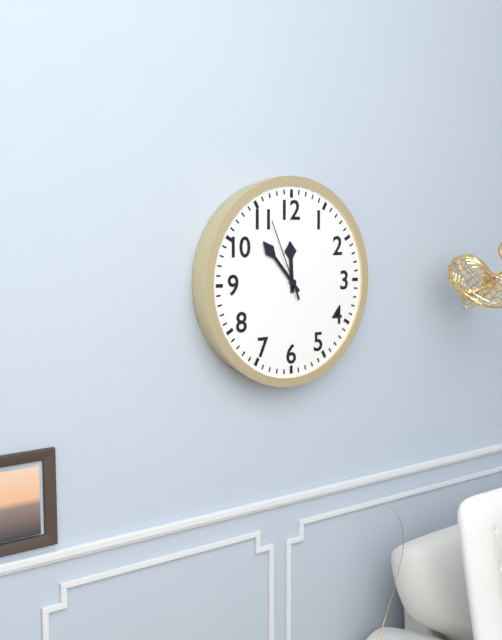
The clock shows h=11 m=53 s=56
